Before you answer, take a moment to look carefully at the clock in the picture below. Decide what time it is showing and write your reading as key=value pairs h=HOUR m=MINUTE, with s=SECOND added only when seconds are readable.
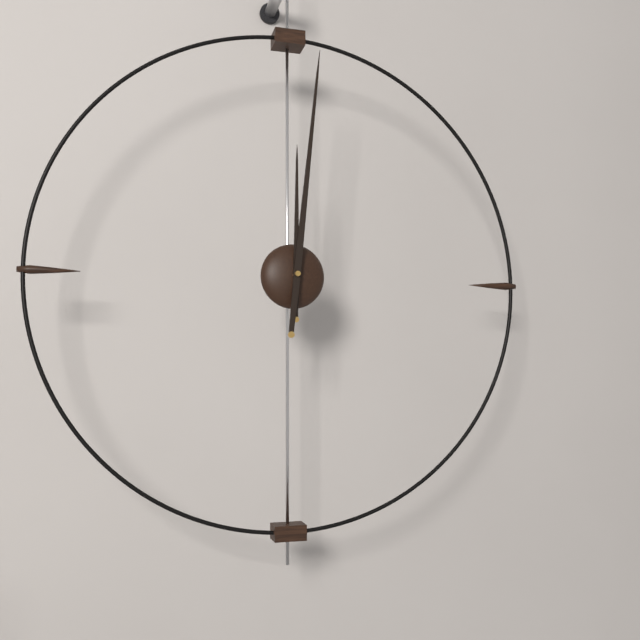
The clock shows h=12 m=1
